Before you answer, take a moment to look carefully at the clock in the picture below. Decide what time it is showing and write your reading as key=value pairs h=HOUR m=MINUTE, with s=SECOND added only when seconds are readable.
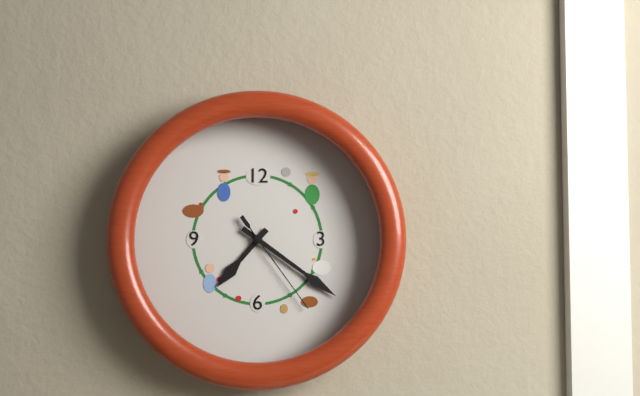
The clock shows h=7 m=21 s=24
